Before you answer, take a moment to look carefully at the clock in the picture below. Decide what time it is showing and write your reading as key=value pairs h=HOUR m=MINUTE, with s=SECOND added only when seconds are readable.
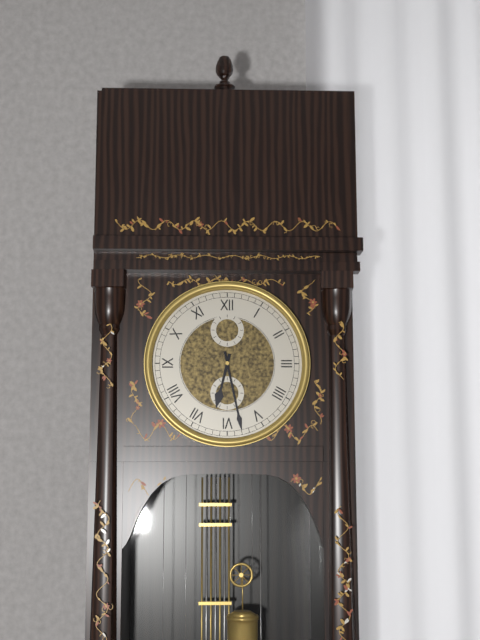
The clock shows h=6 m=28
